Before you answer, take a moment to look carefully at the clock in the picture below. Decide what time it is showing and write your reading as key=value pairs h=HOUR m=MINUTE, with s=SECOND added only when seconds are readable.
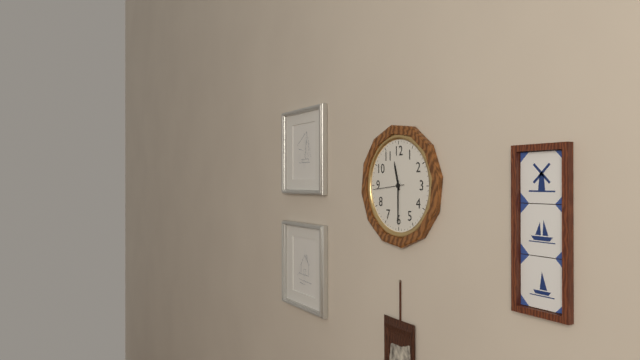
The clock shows h=11 m=30
